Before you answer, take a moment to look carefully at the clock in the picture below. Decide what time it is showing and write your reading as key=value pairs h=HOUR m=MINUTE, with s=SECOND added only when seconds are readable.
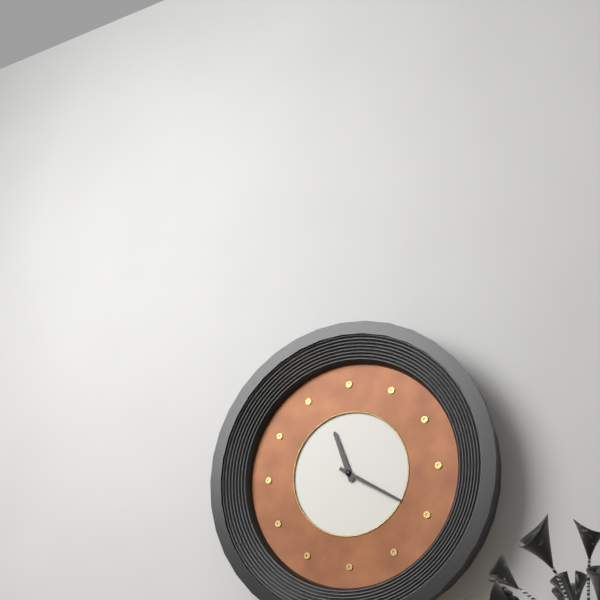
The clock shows h=11 m=20
